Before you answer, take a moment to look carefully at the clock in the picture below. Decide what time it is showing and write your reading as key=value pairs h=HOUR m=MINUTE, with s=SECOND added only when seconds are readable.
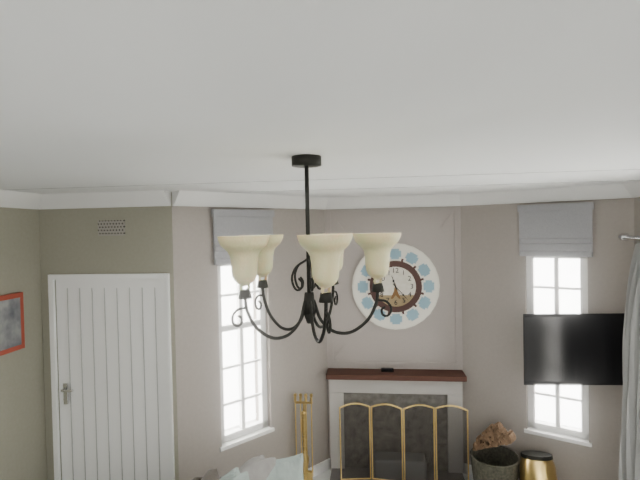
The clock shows h=11 m=23
